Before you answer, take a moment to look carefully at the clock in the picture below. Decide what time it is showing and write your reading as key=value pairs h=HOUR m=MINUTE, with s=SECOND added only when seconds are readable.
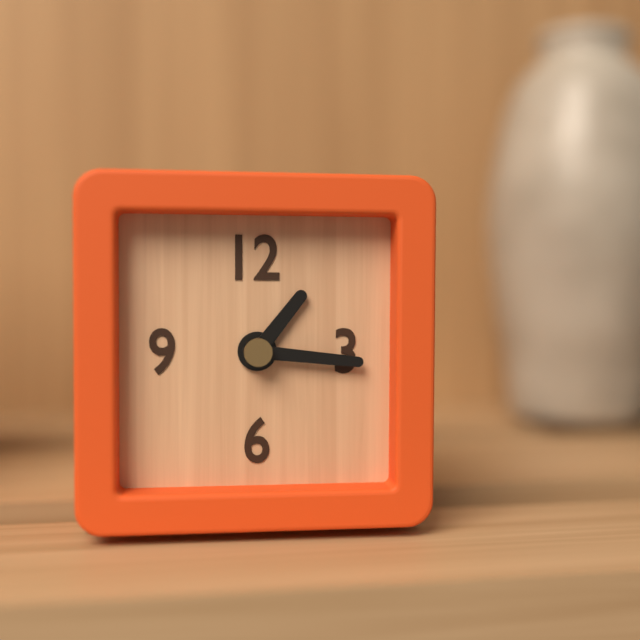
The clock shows h=1 m=16
